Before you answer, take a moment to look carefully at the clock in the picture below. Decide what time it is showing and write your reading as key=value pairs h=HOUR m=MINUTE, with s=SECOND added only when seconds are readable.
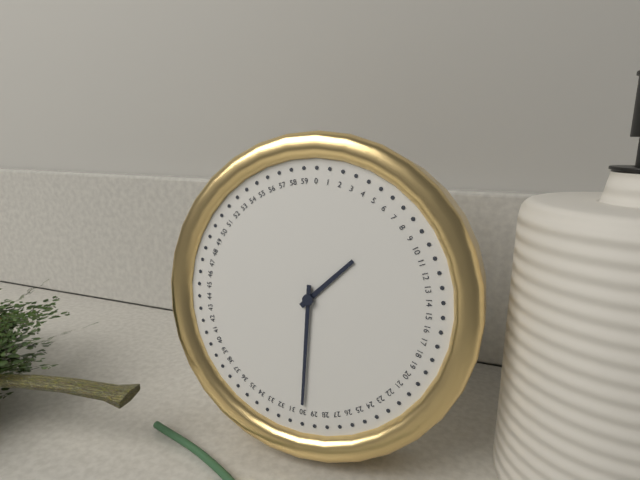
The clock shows h=1 m=30
